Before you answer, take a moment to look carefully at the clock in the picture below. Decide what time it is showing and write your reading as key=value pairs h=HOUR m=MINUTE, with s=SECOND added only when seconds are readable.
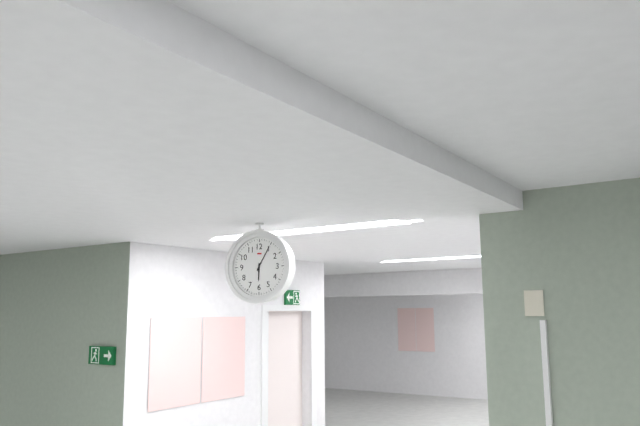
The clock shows h=6 m=5
